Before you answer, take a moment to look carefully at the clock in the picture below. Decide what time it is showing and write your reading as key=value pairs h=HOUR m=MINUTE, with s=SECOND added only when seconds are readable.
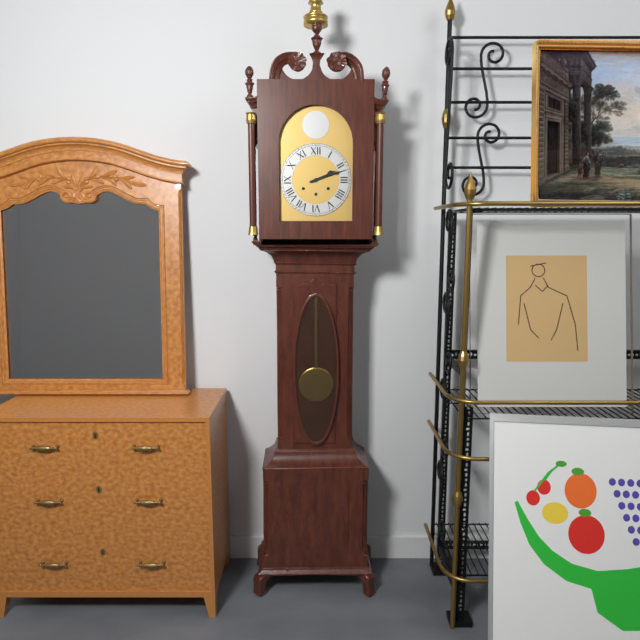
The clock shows h=2 m=12
